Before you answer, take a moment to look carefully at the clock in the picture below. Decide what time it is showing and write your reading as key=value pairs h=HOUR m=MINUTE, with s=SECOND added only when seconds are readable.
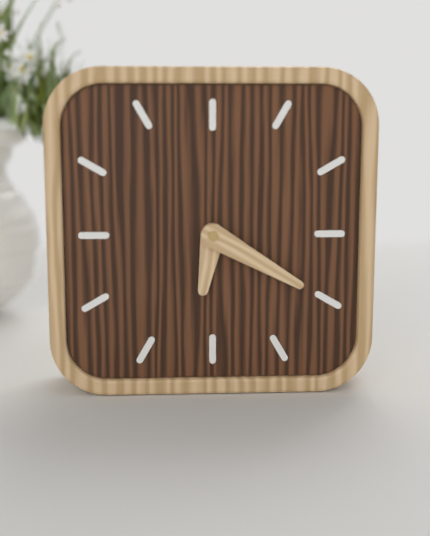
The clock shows h=6 m=20
